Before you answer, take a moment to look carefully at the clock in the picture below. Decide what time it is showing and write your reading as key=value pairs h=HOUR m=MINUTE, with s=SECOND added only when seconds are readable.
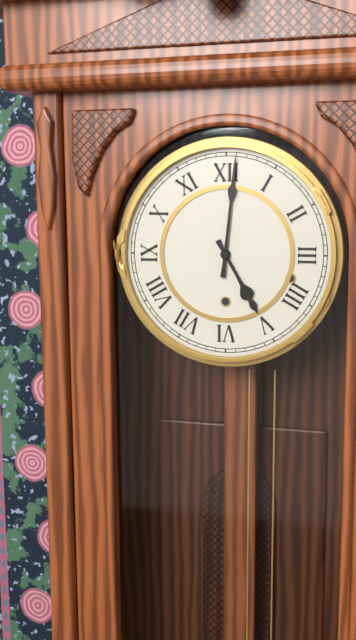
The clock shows h=5 m=1
